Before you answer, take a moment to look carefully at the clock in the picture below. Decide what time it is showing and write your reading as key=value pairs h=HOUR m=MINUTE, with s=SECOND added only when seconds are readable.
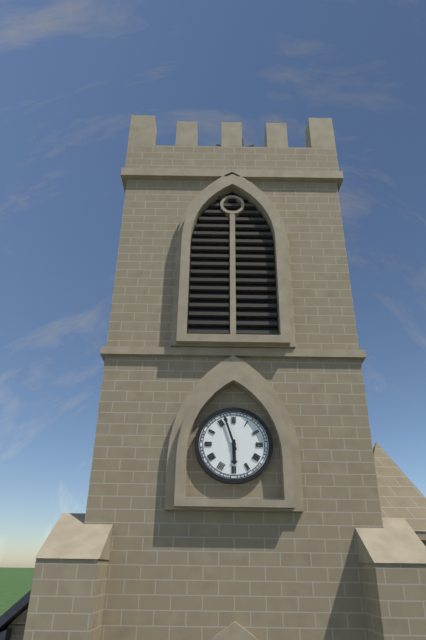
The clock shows h=5 m=57
